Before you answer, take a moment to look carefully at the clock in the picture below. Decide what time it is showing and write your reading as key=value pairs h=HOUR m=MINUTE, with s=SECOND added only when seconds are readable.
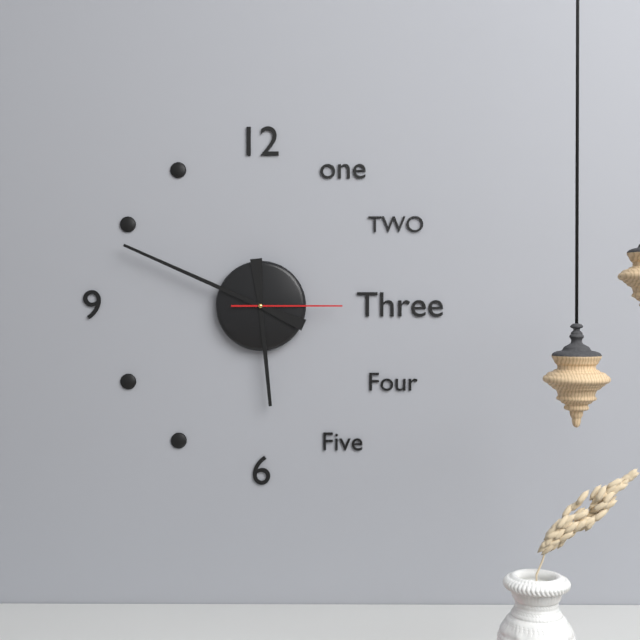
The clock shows h=5 m=49 s=15
